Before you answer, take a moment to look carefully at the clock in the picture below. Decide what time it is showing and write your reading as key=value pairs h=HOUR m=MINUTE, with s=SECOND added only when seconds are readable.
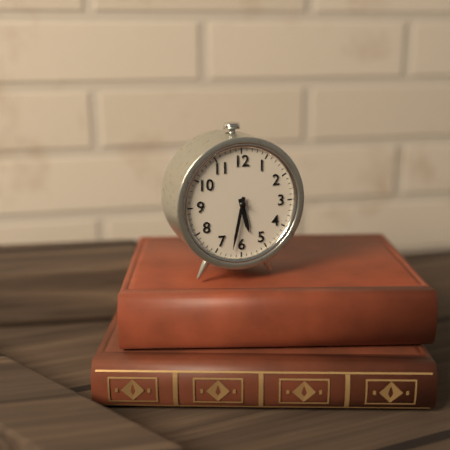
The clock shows h=5 m=32
